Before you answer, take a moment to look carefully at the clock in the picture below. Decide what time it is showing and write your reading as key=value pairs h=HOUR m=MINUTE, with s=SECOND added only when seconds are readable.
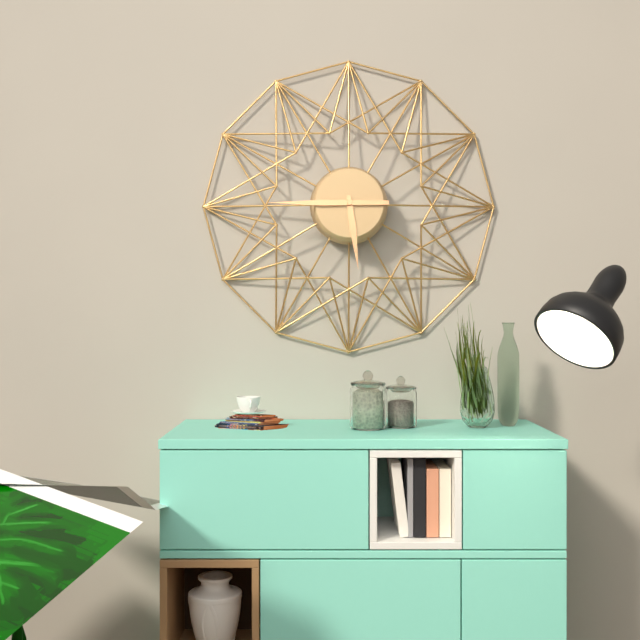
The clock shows h=5 m=45
